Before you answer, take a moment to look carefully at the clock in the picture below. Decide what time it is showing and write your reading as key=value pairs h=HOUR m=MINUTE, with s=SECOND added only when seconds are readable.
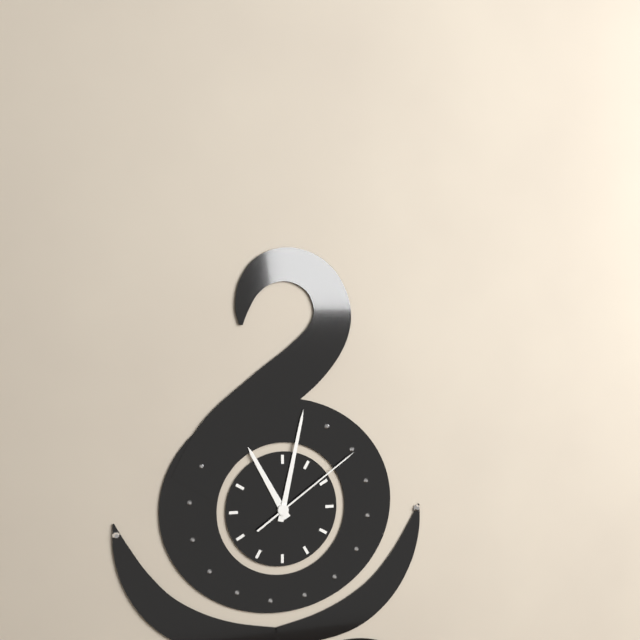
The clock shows h=11 m=2 s=9
